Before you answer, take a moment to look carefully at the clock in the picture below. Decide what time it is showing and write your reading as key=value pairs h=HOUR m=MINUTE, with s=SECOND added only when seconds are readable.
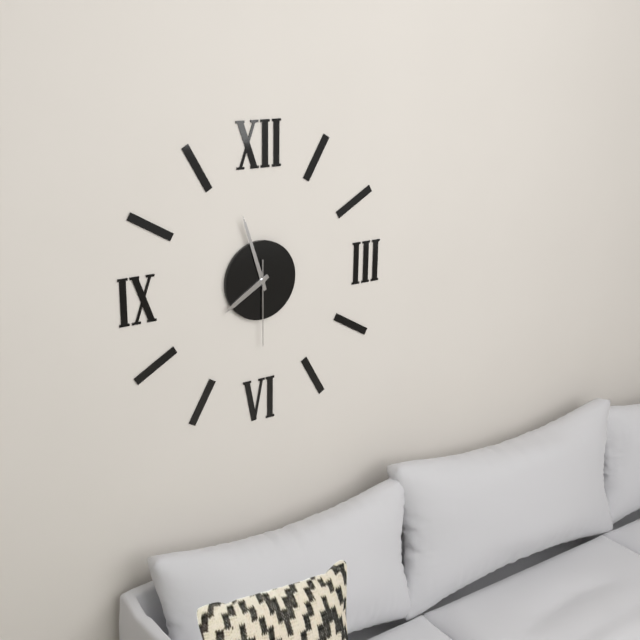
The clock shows h=7 m=57 s=30
